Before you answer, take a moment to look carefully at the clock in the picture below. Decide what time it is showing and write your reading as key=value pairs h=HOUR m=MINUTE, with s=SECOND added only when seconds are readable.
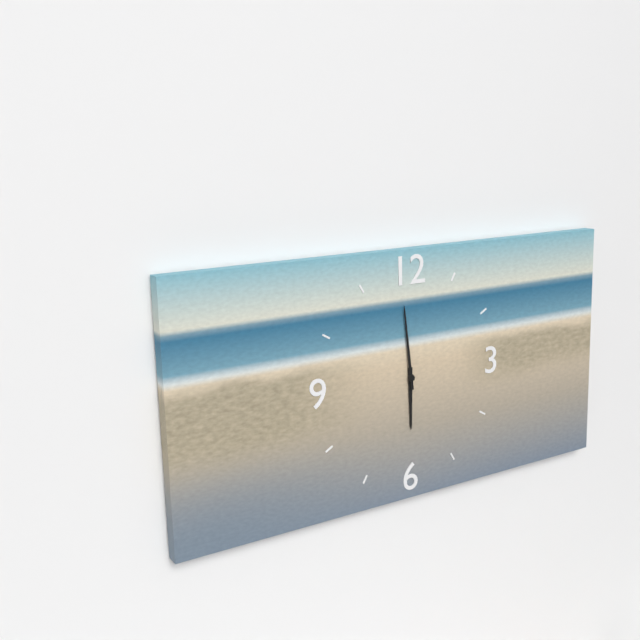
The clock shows h=5 m=59
